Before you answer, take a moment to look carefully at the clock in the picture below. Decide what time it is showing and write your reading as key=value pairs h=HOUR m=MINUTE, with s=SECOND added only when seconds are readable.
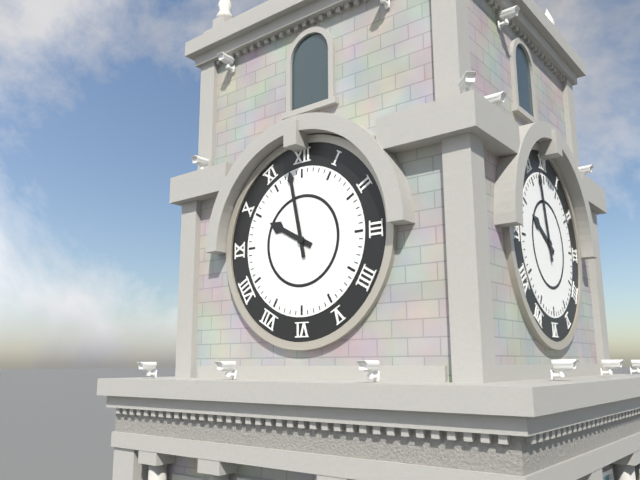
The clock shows h=9 m=58
